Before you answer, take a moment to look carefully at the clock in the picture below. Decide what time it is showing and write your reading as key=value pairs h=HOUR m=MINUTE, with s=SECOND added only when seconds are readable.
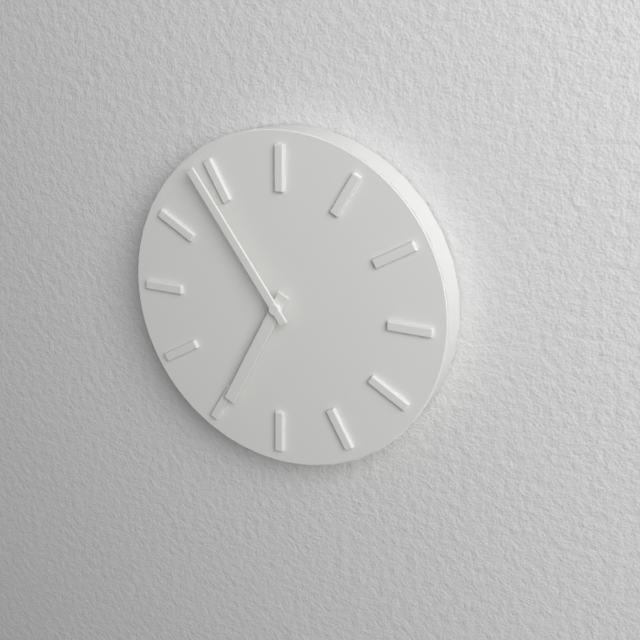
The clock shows h=6 m=54
